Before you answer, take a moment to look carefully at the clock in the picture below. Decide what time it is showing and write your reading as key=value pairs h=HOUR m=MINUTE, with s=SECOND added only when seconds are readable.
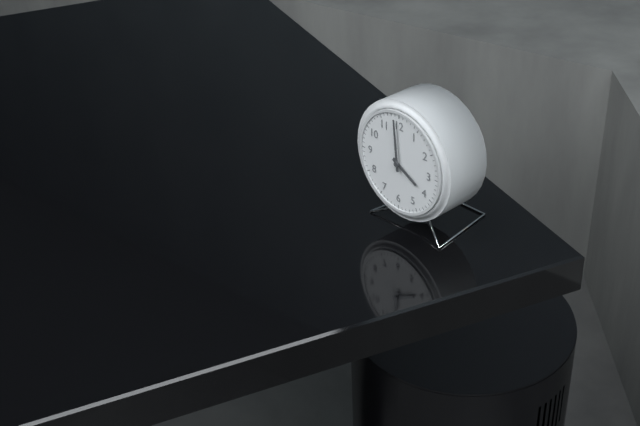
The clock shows h=3 m=59
